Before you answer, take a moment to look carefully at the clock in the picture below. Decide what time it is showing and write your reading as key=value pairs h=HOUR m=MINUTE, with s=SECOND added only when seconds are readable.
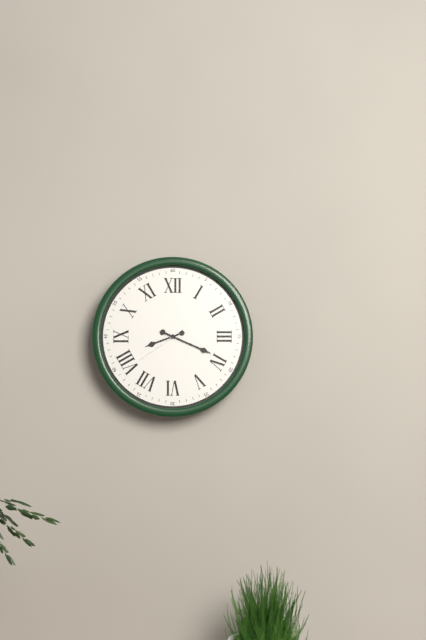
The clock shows h=8 m=19 s=39
